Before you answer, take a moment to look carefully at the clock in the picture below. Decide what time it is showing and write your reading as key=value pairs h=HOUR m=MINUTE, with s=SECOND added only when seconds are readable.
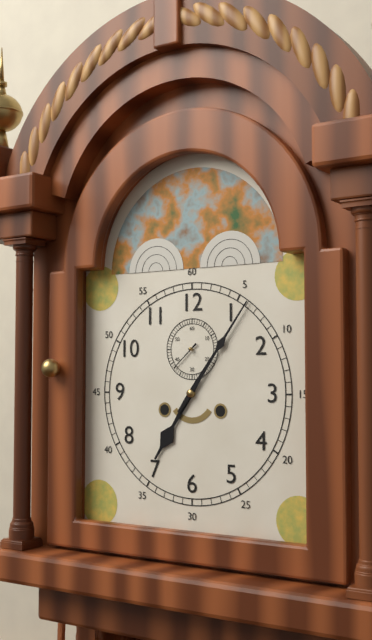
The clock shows h=7 m=6
